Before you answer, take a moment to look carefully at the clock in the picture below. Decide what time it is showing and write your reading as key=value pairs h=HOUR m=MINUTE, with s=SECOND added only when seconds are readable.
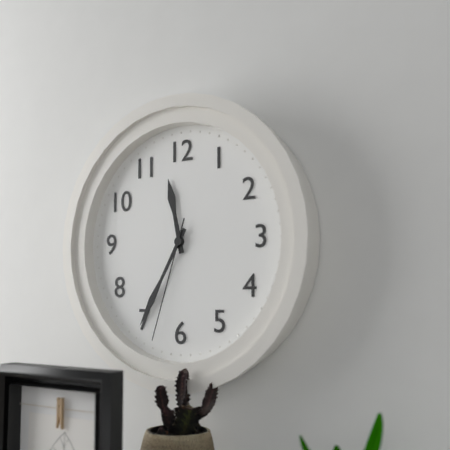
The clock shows h=11 m=35 s=33
